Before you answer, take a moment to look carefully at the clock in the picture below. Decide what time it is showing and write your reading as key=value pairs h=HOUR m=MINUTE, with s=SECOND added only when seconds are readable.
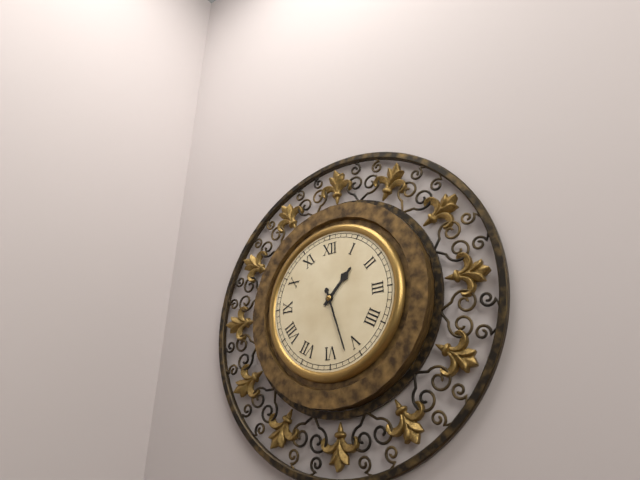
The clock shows h=1 m=27
